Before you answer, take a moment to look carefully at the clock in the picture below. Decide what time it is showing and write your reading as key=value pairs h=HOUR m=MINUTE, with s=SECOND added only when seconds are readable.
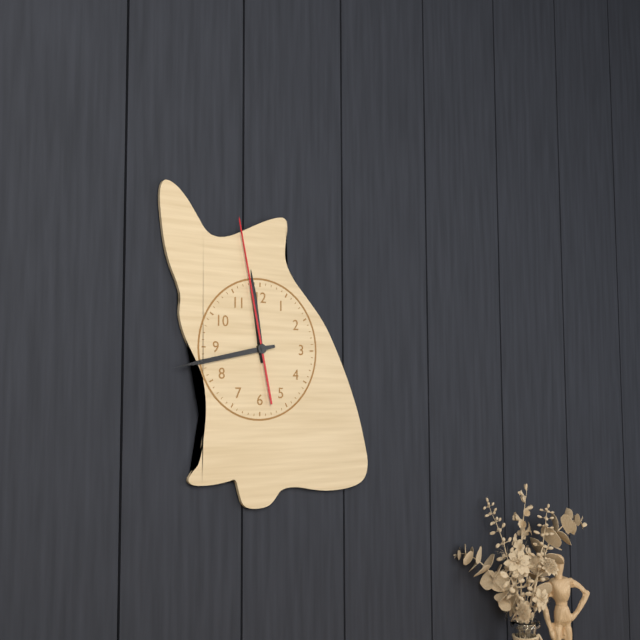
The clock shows h=11 m=43 s=58
